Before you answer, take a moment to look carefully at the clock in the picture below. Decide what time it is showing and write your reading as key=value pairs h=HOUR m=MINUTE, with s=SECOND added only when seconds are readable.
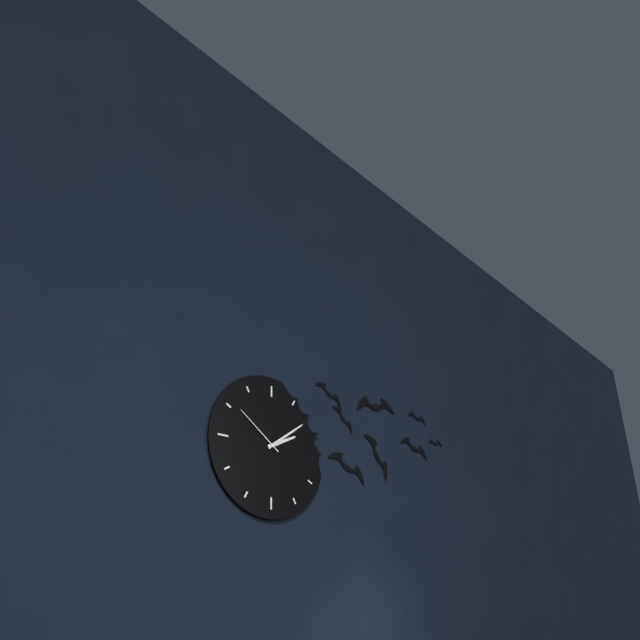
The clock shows h=2 m=9 s=51
